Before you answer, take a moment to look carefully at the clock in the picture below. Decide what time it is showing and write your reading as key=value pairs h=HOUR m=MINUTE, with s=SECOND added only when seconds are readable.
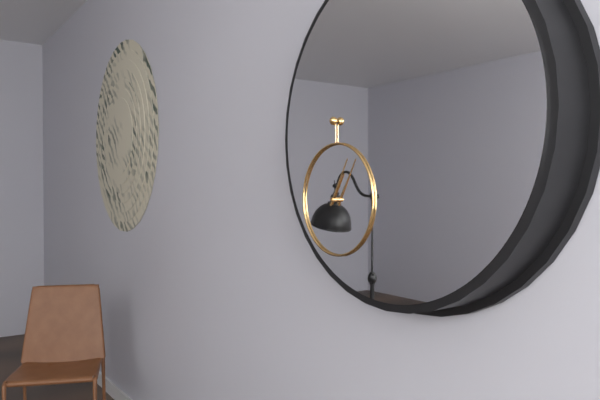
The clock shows h=1 m=5
